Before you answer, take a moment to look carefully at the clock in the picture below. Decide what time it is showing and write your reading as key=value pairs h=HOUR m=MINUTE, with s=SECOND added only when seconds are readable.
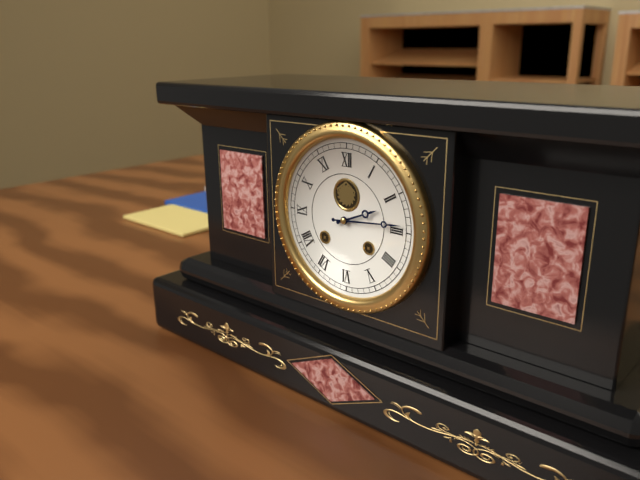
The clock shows h=2 m=14
